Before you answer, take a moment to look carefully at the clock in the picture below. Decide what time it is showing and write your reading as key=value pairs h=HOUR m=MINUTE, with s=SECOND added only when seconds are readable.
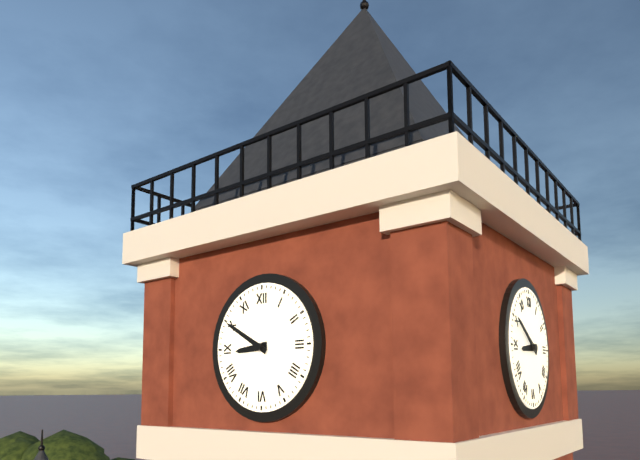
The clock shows h=8 m=50
